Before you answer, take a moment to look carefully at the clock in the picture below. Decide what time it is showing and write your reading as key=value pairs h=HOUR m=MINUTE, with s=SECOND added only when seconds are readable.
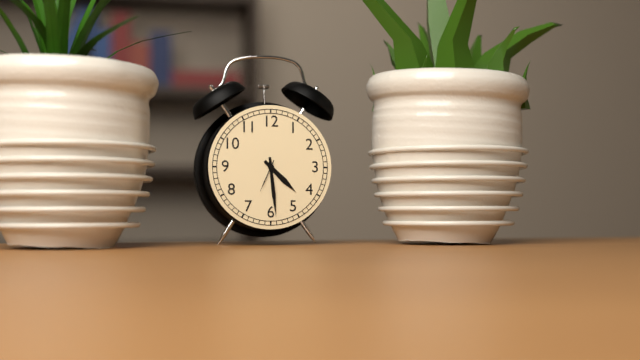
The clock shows h=4 m=29
